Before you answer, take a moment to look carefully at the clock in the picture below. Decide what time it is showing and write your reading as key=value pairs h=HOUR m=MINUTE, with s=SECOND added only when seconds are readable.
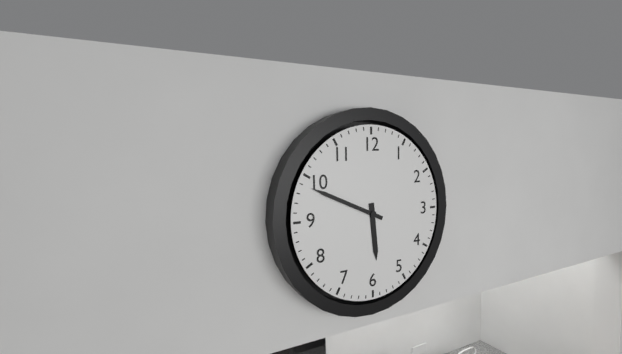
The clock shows h=5 m=49
